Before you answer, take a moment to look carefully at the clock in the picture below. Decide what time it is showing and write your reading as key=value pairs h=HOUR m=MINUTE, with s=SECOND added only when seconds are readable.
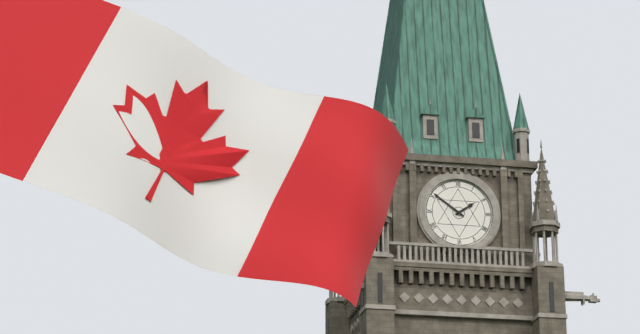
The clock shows h=1 m=51
